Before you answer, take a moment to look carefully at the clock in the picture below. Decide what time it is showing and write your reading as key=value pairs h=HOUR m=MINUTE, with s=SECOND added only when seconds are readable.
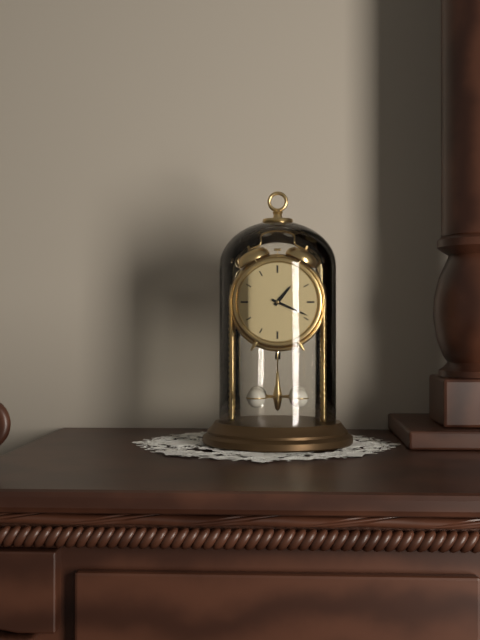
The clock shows h=1 m=19
